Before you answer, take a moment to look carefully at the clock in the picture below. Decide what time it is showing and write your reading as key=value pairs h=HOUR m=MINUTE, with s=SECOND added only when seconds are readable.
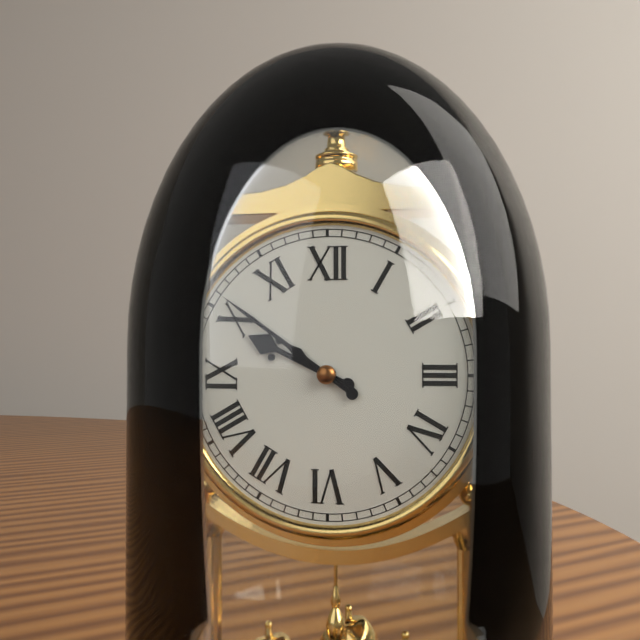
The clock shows h=9 m=51
